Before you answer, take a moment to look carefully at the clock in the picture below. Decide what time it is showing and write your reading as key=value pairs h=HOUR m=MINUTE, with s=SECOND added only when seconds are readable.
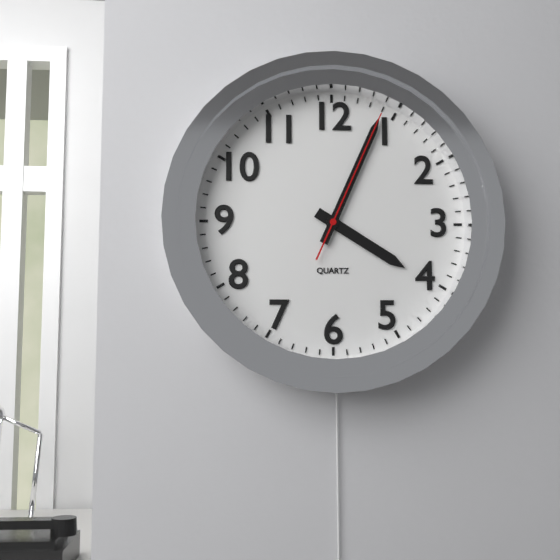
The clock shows h=4 m=4 s=4
